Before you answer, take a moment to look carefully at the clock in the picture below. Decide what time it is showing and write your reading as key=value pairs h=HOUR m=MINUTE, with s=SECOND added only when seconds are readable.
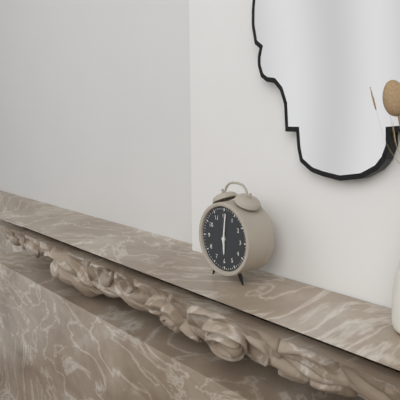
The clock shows h=6 m=1
